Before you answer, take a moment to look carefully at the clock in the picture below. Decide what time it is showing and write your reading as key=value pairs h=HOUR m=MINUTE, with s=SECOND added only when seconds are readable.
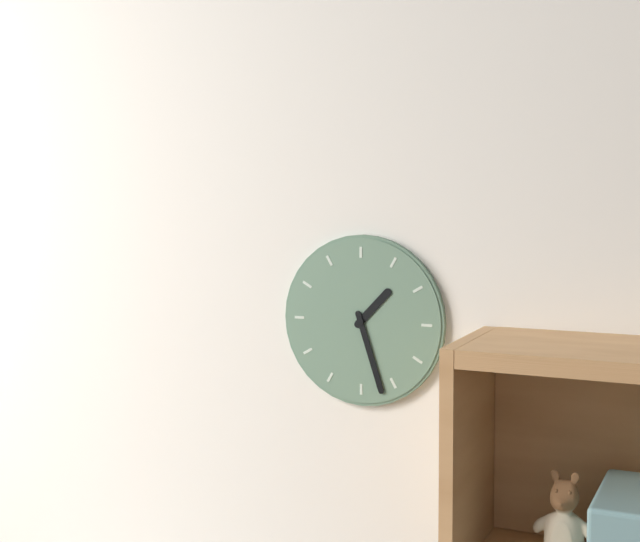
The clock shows h=1 m=27
